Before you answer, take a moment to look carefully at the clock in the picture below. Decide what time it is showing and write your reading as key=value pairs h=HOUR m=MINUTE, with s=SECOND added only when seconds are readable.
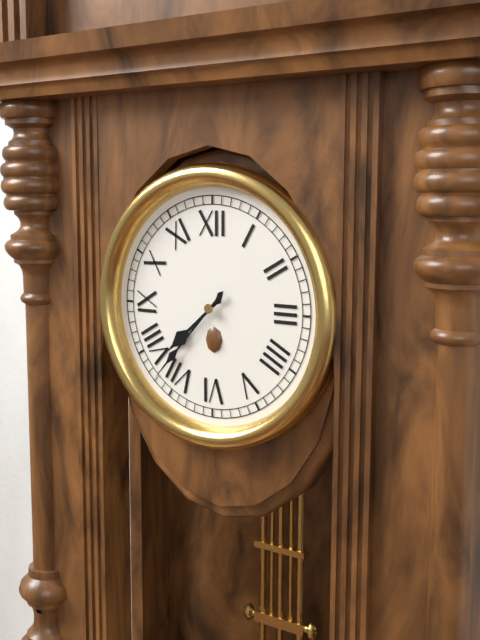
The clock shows h=7 m=37
